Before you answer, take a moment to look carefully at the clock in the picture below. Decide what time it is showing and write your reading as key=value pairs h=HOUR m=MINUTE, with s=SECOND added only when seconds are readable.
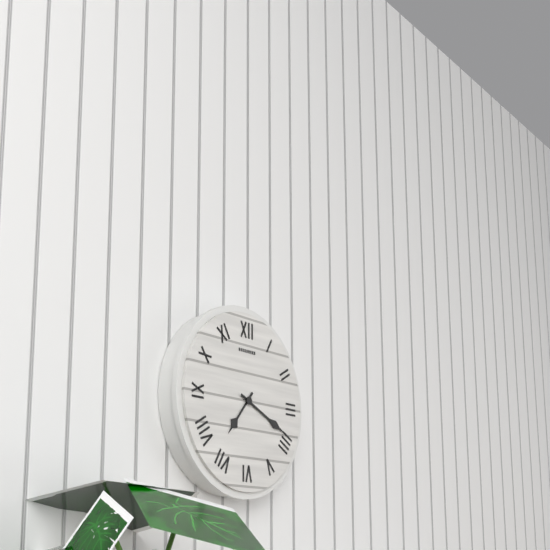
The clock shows h=7 m=19
